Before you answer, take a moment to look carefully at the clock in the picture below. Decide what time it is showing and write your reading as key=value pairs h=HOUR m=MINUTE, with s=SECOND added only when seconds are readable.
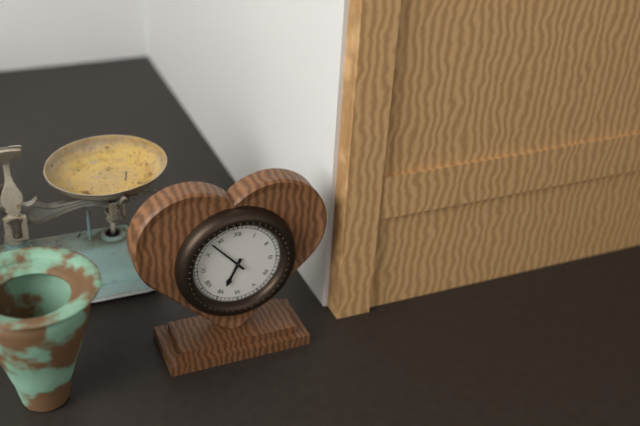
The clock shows h=6 m=53
